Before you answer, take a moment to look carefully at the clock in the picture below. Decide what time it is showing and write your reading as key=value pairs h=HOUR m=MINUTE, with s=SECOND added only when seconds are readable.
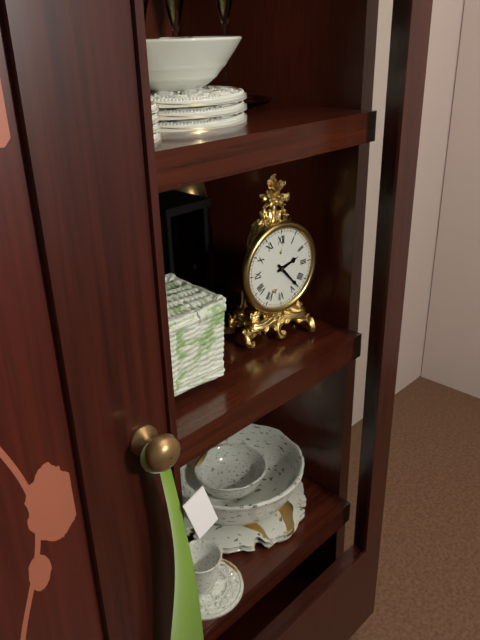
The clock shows h=2 m=23
